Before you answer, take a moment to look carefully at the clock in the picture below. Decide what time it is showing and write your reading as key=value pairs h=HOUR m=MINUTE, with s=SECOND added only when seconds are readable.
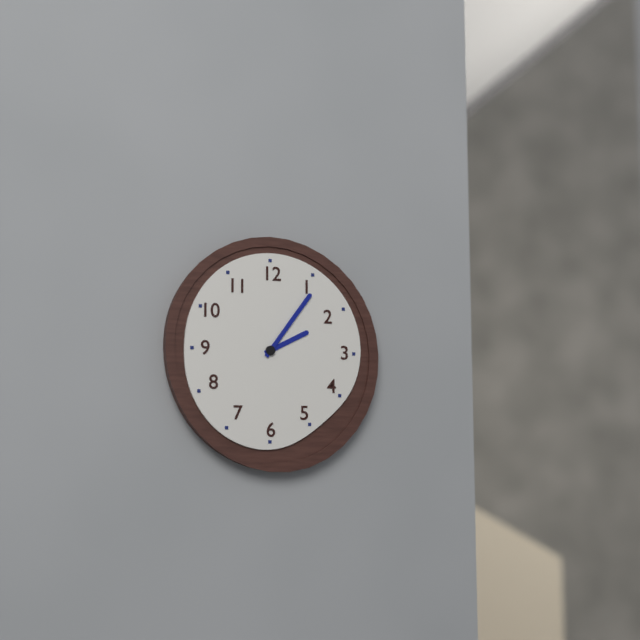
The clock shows h=2 m=6
